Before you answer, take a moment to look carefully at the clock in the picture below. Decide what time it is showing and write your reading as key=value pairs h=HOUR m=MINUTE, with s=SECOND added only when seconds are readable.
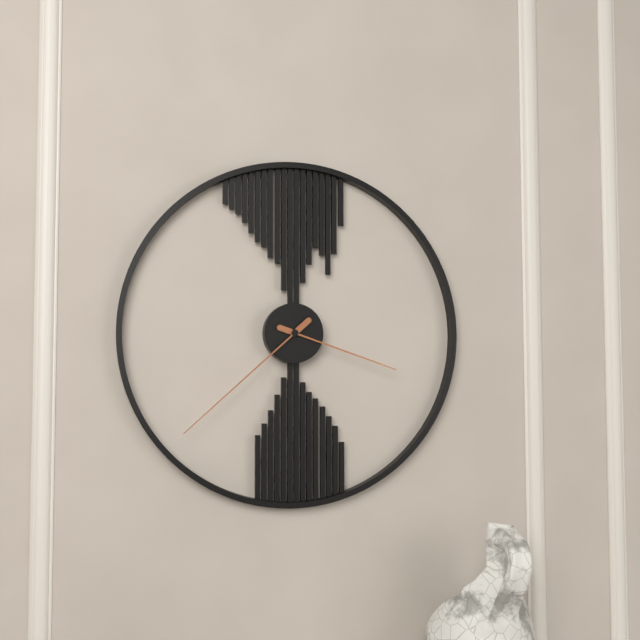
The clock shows h=3 m=38
